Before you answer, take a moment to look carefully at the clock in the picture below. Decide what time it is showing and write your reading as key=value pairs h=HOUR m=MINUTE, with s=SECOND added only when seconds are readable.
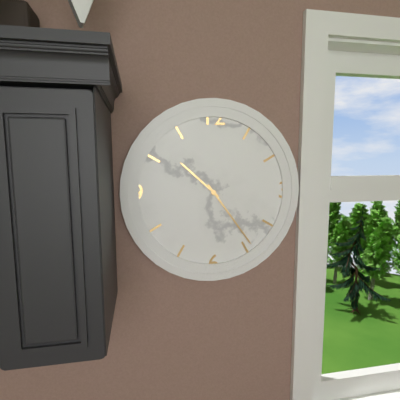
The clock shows h=10 m=24
